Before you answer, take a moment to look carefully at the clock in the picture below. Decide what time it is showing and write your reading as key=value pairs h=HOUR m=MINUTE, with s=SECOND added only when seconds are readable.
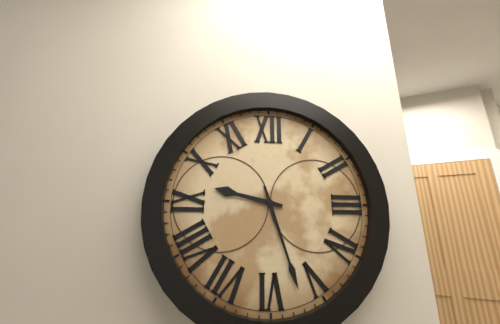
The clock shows h=9 m=27
